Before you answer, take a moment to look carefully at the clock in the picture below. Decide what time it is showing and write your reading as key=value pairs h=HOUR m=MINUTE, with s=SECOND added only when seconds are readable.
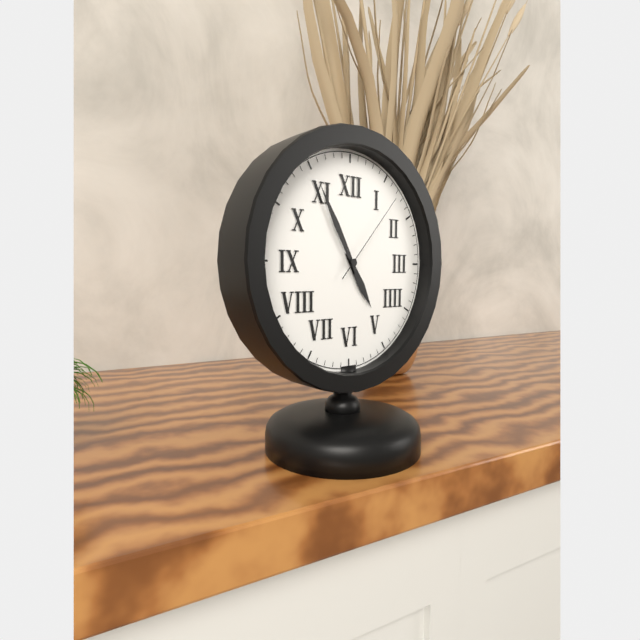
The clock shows h=4 m=55 s=7
